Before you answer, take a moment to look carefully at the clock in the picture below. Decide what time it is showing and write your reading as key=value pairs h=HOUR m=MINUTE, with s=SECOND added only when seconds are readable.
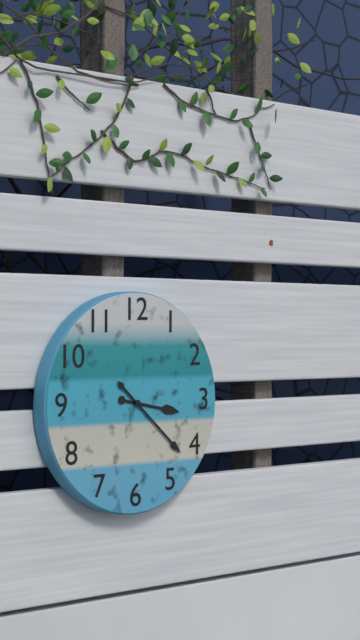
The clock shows h=3 m=22
